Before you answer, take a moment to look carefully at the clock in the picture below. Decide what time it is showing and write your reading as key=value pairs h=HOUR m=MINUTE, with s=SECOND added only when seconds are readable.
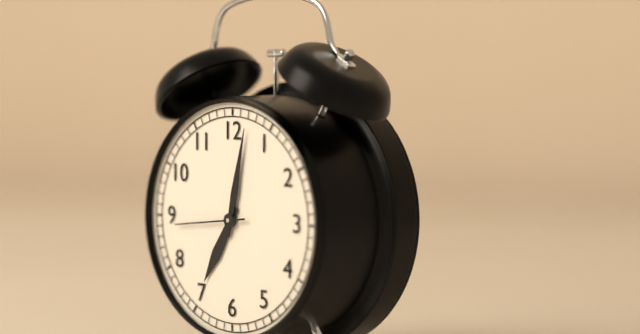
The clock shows h=7 m=2 s=44
